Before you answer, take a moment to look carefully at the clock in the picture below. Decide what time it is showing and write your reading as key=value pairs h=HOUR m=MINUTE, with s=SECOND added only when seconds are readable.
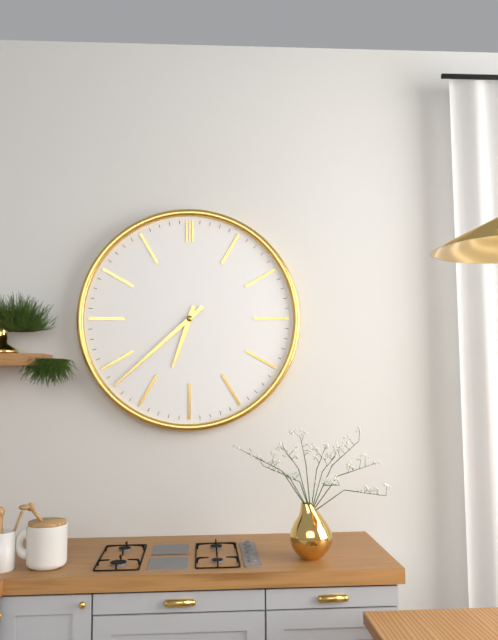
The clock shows h=6 m=38
